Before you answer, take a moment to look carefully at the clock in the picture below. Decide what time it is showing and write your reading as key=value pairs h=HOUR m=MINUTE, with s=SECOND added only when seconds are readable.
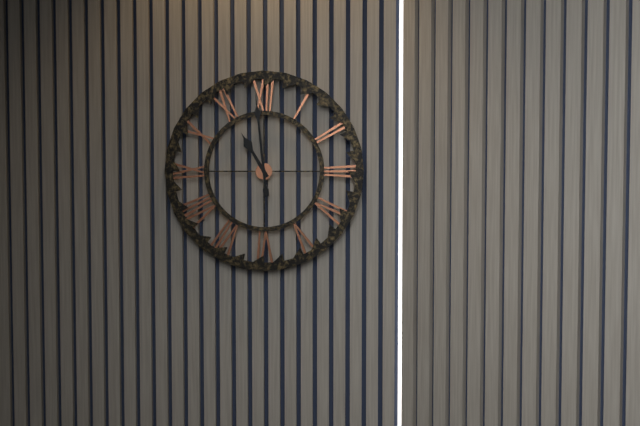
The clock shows h=10 m=59
